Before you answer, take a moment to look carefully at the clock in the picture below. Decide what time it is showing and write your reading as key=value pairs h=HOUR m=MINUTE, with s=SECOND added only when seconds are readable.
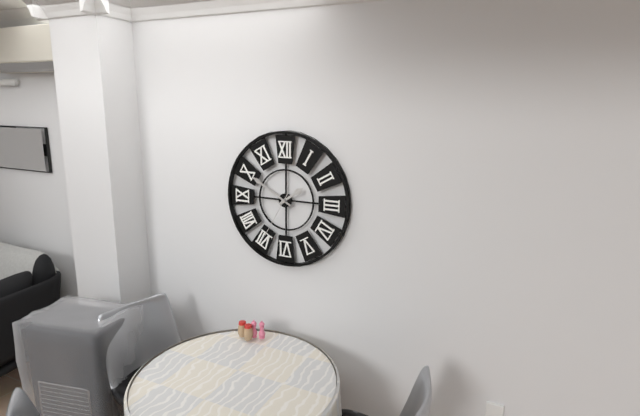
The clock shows h=1 m=50 s=35
